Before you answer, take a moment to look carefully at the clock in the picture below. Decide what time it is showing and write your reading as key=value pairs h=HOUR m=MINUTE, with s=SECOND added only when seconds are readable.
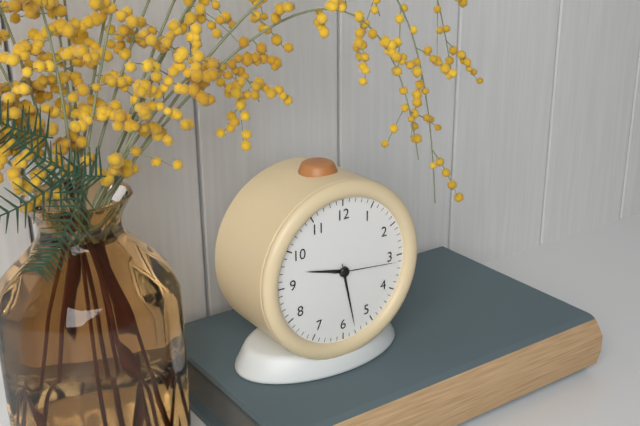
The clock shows h=9 m=28 s=16
